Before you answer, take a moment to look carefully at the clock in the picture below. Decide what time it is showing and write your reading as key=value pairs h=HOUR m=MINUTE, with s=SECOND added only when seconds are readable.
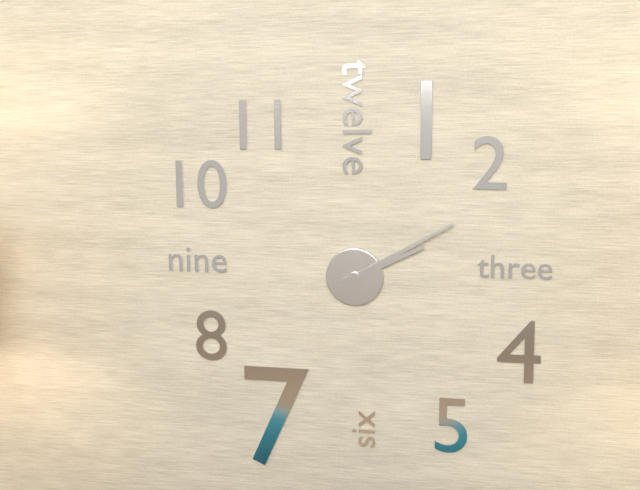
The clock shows h=2 m=10
